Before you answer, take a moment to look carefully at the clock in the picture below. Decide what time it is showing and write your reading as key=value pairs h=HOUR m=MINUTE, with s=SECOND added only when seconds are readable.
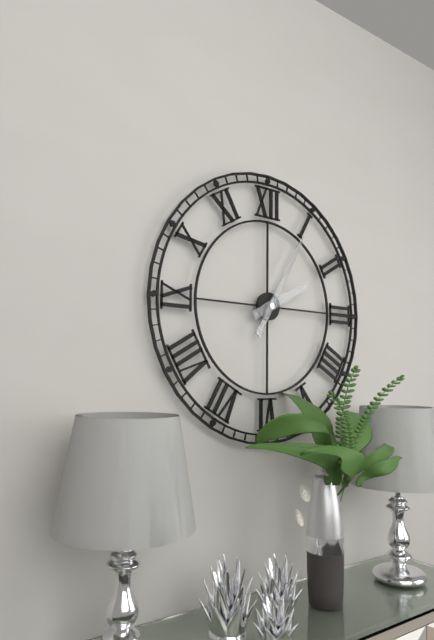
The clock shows h=2 m=5
